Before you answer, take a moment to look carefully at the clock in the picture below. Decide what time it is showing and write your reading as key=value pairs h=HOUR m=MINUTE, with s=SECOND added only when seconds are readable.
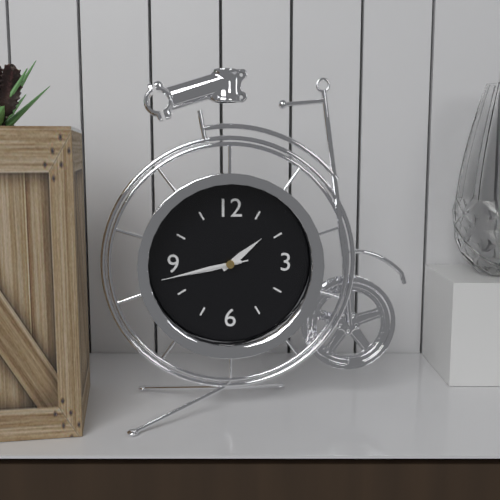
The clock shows h=1 m=43 s=43
